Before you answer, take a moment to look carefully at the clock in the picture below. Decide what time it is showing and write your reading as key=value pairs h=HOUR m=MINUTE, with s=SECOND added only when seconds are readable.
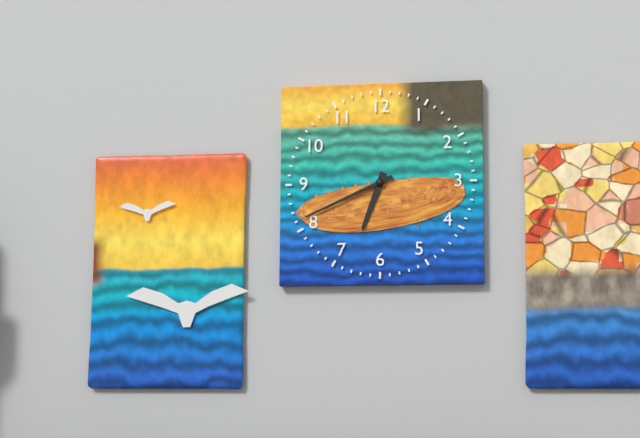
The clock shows h=6 m=41
